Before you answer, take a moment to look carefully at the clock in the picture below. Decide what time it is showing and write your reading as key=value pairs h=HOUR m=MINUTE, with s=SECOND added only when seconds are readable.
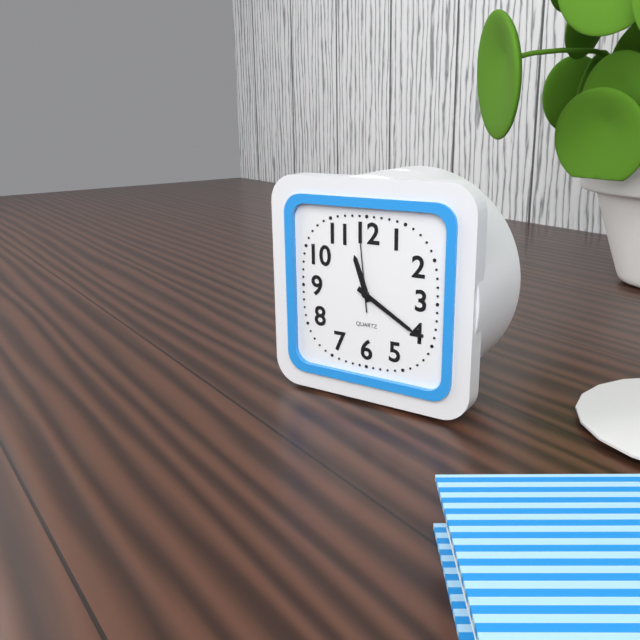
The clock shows h=11 m=20 s=59
